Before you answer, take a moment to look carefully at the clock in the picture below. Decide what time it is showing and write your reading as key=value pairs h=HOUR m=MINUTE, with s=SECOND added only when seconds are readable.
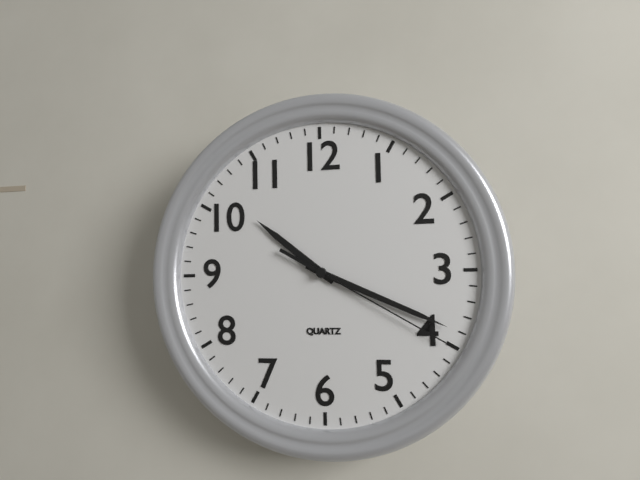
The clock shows h=10 m=19 s=20
